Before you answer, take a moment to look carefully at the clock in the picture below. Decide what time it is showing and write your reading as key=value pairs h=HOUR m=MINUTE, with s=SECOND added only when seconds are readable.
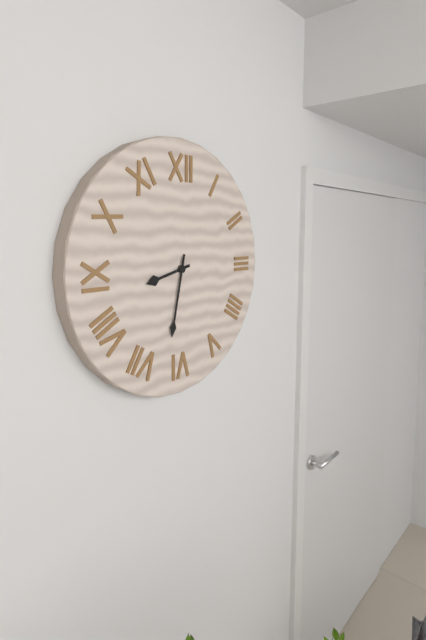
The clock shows h=8 m=32
